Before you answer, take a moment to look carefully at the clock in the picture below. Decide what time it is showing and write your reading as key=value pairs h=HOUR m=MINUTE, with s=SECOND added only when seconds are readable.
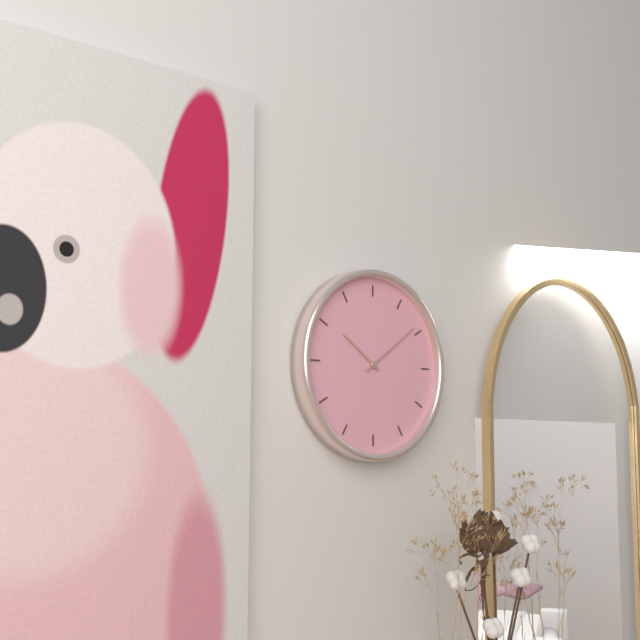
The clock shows h=10 m=9
